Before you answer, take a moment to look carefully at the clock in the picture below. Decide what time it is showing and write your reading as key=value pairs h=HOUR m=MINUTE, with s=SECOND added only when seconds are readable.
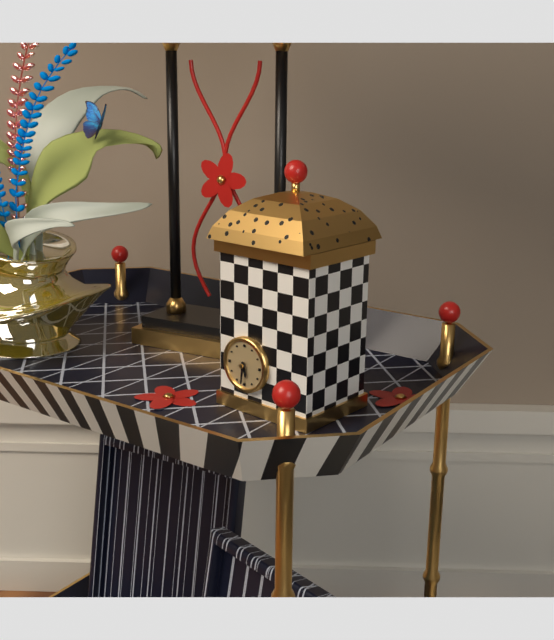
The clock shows h=5 m=31
